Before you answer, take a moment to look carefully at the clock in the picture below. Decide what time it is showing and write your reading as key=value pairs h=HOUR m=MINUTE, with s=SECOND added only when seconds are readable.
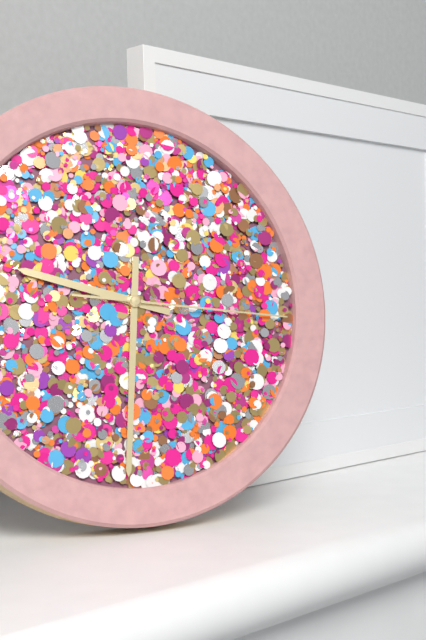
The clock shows h=9 m=31 s=16
